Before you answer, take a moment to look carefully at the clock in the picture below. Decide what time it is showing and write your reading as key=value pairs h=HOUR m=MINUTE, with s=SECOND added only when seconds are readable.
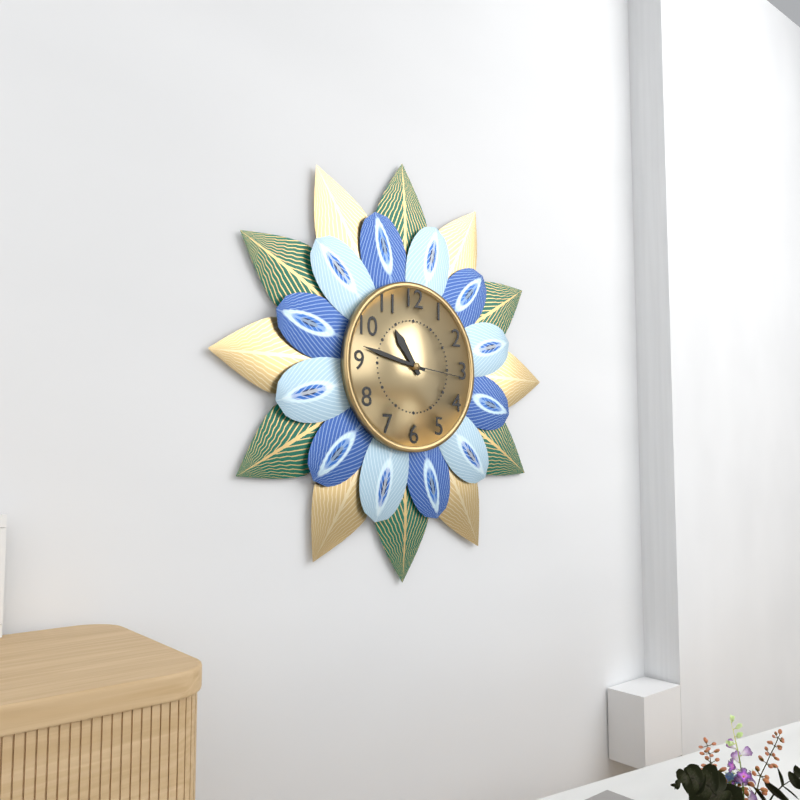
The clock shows h=10 m=47 s=16
